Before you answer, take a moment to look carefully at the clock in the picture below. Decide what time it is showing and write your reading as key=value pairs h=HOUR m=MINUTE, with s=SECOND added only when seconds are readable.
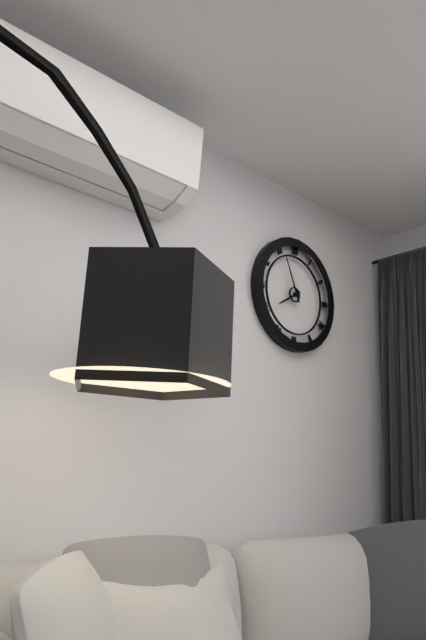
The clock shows h=7 m=56
